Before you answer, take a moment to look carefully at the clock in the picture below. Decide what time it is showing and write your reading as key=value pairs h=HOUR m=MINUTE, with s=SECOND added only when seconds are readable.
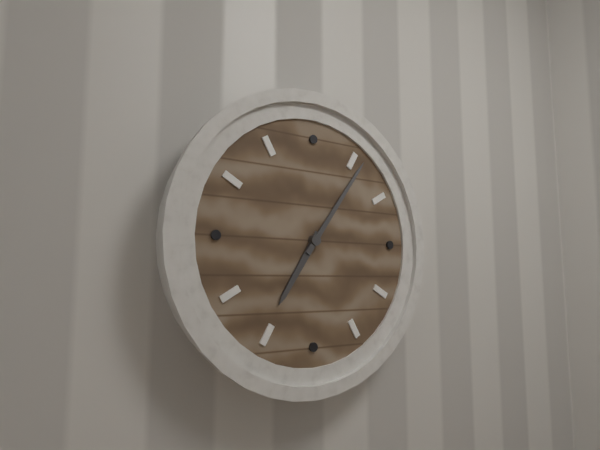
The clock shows h=7 m=6
